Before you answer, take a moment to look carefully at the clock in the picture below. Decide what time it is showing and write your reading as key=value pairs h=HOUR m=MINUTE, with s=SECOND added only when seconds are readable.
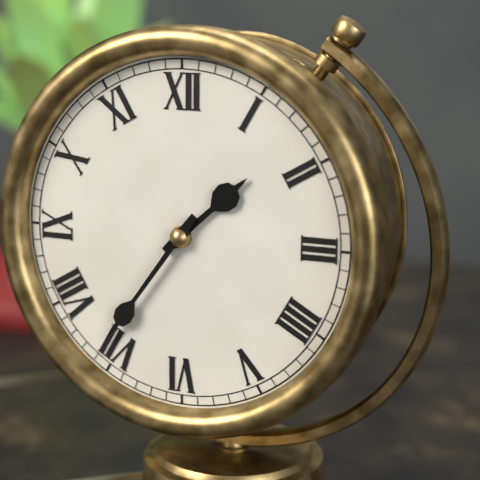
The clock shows h=1 m=36
